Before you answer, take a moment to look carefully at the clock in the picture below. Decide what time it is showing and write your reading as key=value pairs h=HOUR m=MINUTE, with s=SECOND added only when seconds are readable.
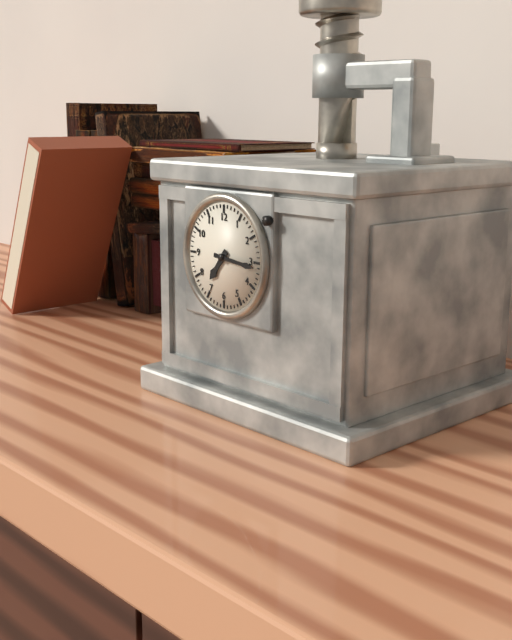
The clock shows h=7 m=16
